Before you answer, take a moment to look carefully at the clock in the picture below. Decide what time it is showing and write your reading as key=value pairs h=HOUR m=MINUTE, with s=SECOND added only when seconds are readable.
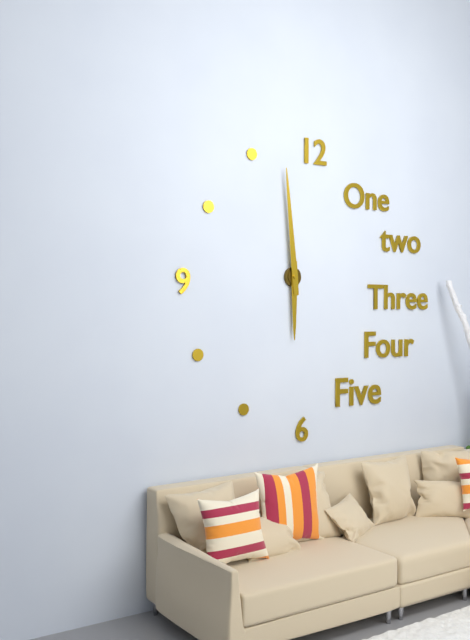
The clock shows h=5 m=59
